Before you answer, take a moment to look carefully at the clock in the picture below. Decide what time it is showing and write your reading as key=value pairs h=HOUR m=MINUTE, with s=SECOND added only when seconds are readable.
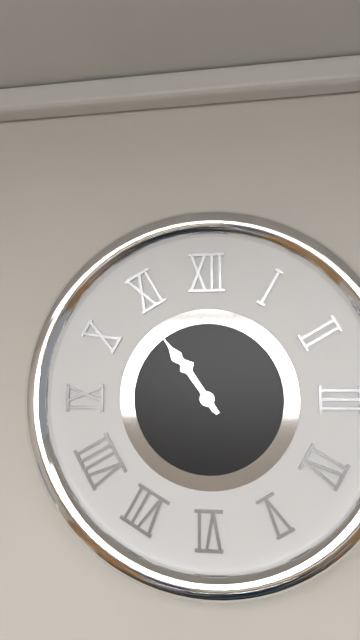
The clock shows h=10 m=54
